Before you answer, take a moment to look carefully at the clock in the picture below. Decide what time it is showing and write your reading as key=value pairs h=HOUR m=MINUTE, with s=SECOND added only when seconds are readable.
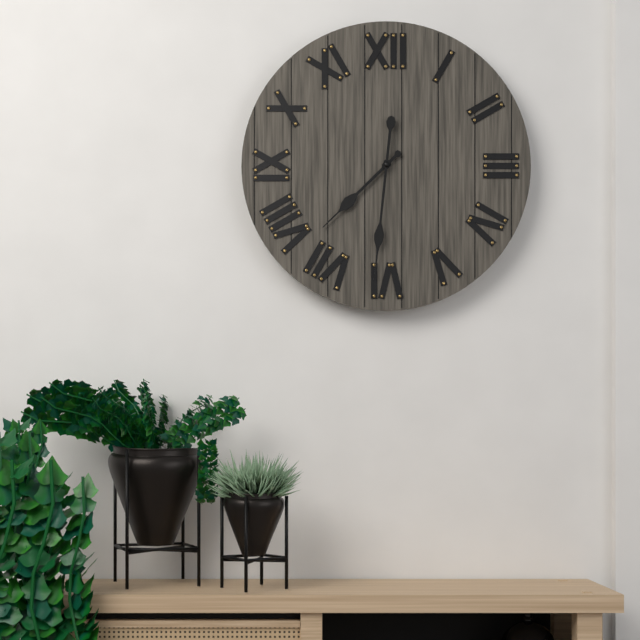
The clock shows h=7 m=31
